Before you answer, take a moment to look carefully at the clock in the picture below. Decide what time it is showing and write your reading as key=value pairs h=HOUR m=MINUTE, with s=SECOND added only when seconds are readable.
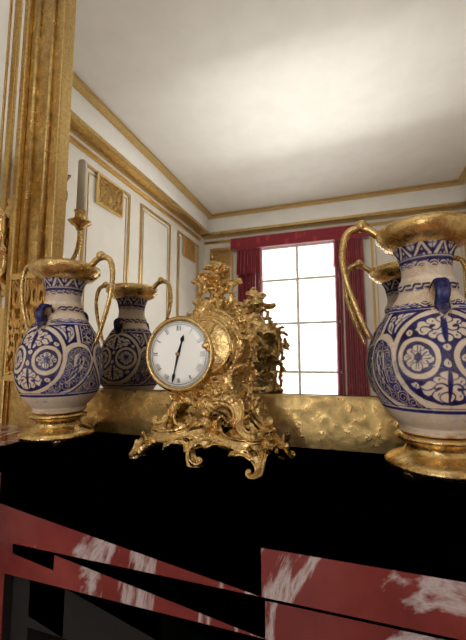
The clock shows h=12 m=32
